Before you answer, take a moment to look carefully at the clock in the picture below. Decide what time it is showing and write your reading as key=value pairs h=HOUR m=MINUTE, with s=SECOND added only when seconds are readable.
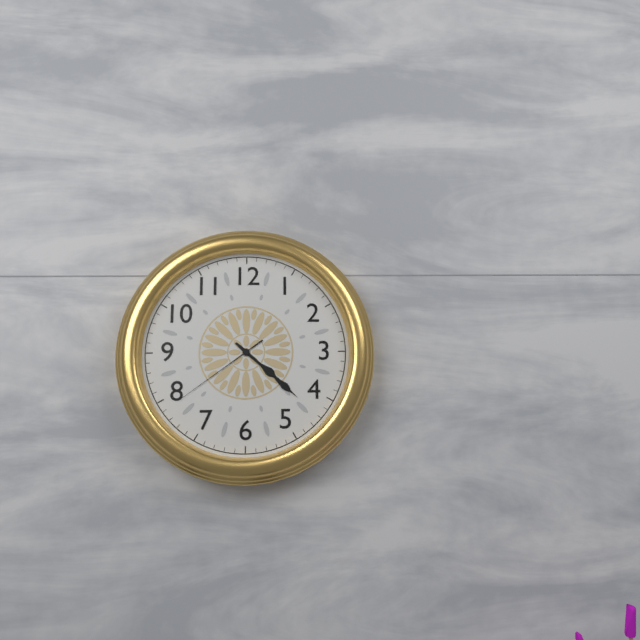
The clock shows h=4 m=22 s=39
